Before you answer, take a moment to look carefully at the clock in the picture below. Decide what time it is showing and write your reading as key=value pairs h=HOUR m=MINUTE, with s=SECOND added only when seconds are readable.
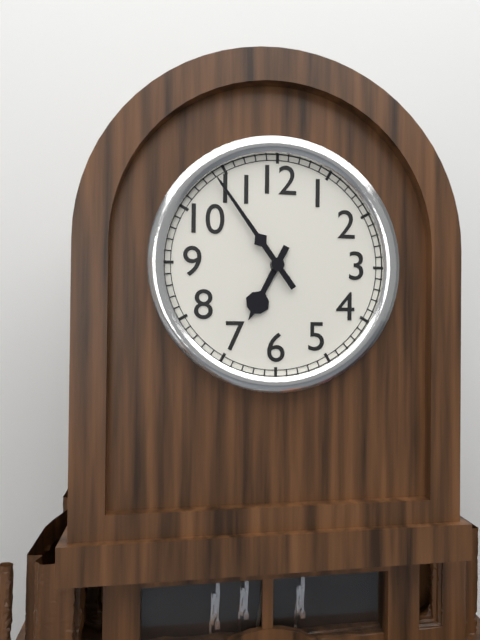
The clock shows h=6 m=54
